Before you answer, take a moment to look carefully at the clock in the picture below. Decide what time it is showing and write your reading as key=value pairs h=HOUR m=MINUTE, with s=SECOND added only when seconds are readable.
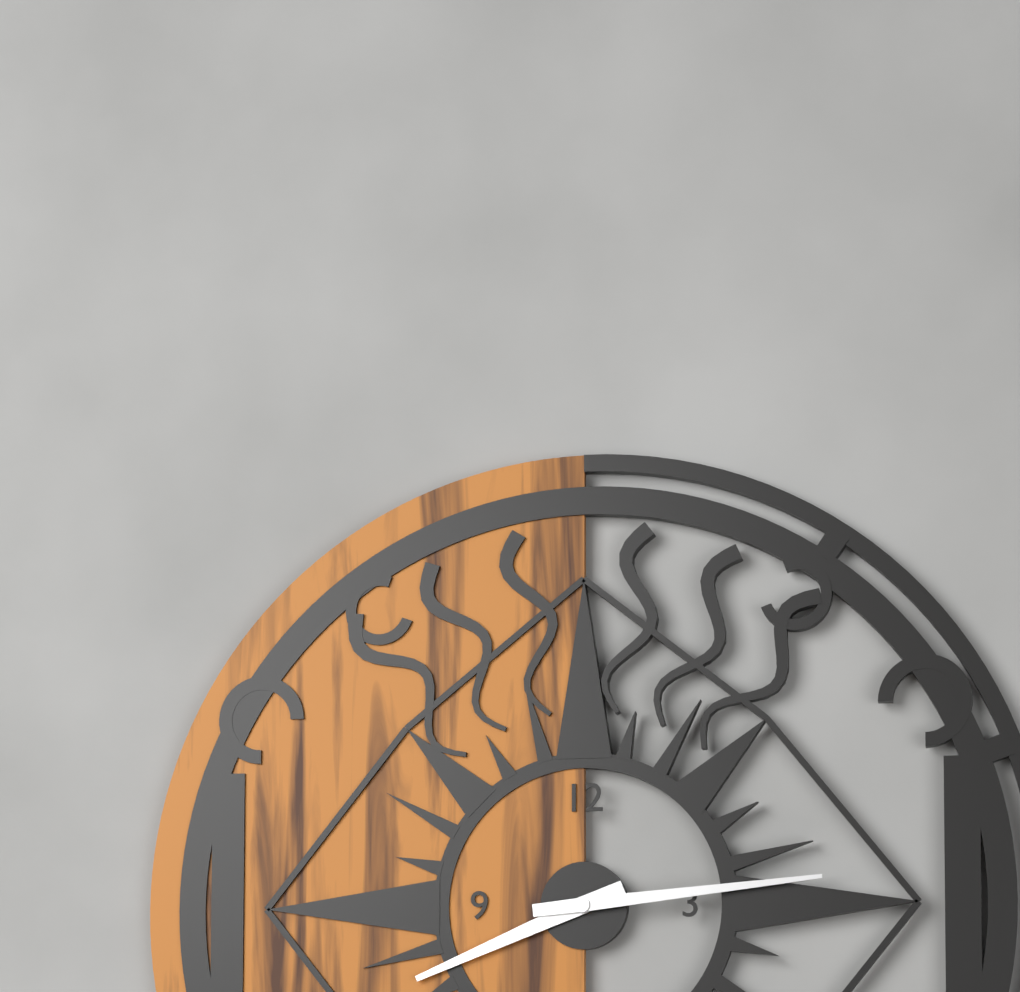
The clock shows h=8 m=14
